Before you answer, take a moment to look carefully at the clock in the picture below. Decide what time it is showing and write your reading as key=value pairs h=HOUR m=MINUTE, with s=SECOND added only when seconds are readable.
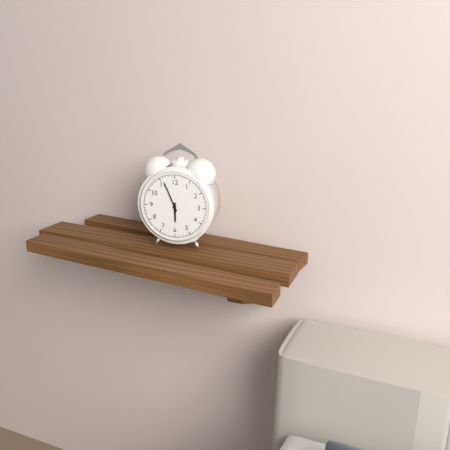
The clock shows h=5 m=56
